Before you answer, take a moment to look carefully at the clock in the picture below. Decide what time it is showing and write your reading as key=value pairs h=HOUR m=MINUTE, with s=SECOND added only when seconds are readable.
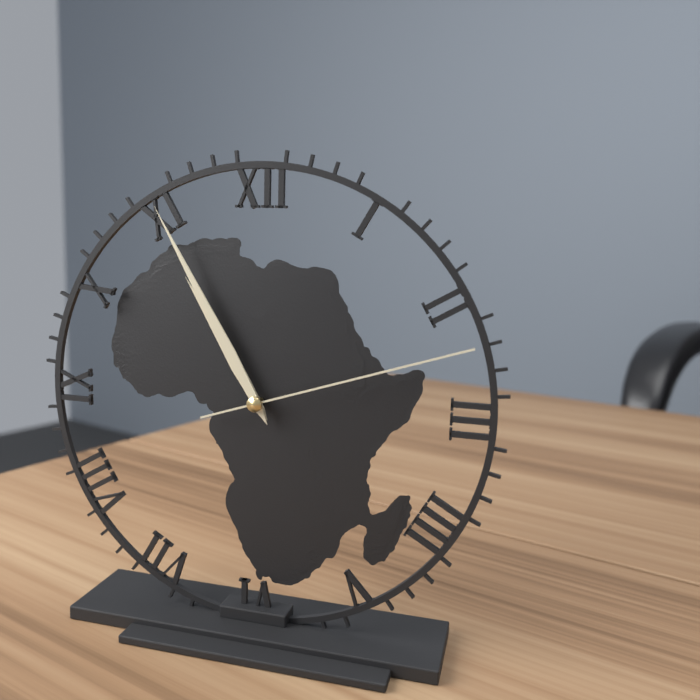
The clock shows h=10 m=55 s=12
